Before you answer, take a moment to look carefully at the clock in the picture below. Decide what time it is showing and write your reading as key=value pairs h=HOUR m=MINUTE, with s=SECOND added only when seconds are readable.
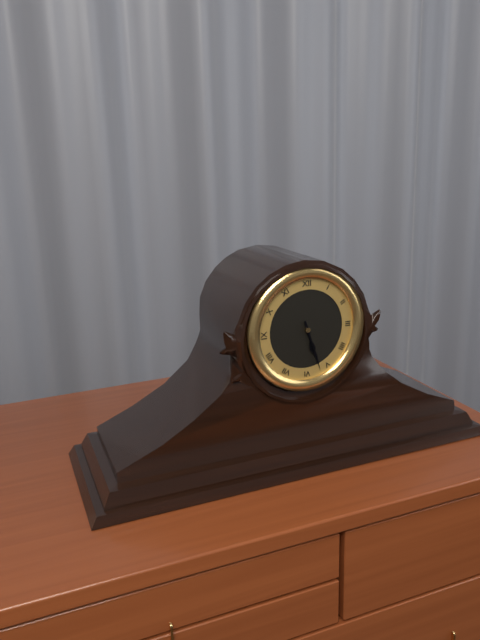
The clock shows h=5 m=27
